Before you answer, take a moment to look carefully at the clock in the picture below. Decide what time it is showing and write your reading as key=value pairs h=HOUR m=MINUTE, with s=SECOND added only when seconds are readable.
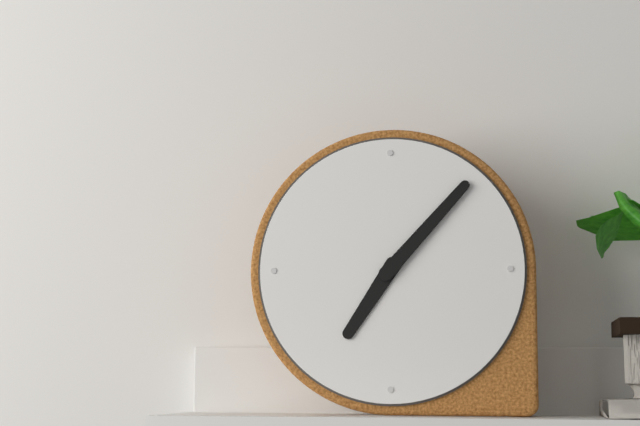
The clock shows h=7 m=7
